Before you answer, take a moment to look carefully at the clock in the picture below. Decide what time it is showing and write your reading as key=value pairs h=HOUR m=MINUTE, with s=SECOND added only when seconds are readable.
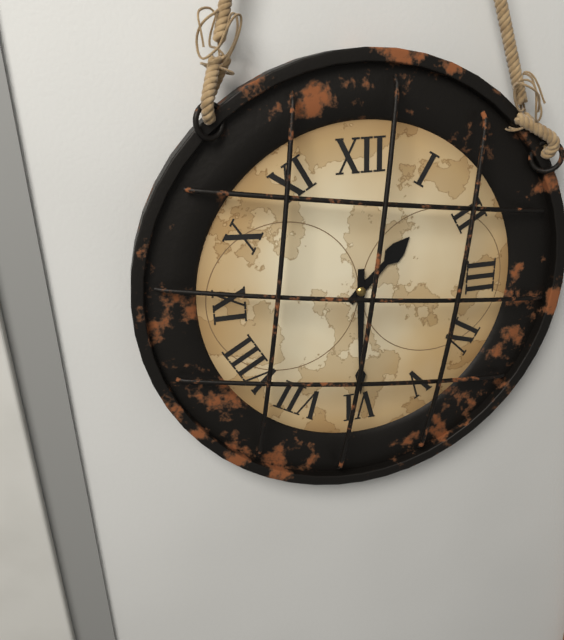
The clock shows h=1 m=30
